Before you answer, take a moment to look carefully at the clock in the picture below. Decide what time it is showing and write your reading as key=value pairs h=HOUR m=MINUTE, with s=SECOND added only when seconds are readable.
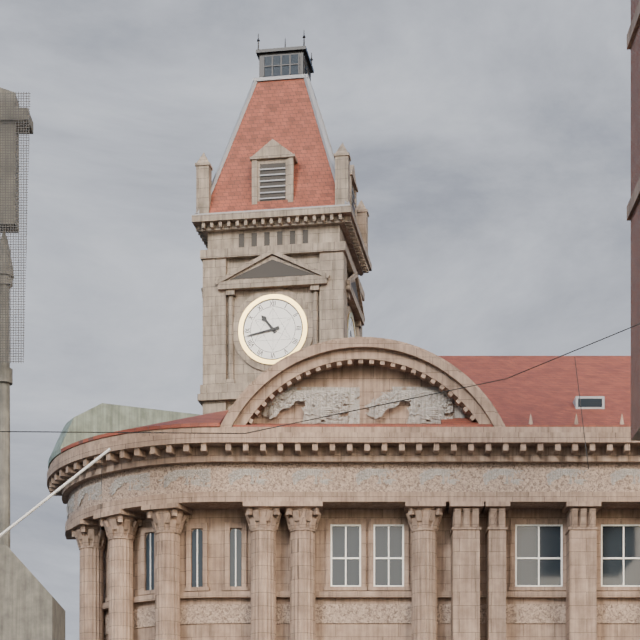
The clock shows h=10 m=43
